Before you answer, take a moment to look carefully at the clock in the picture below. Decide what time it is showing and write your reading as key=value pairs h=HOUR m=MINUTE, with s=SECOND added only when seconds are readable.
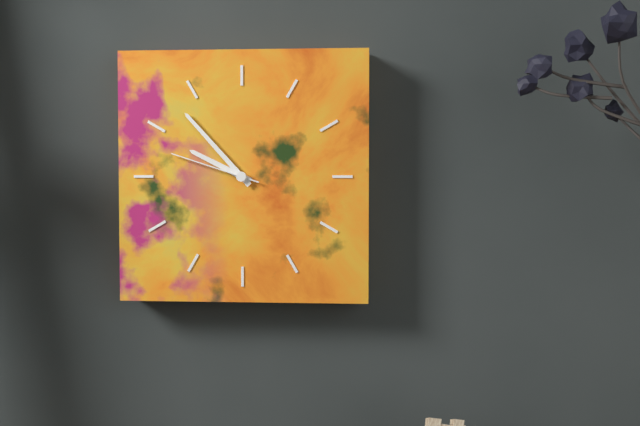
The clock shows h=9 m=53 s=48
